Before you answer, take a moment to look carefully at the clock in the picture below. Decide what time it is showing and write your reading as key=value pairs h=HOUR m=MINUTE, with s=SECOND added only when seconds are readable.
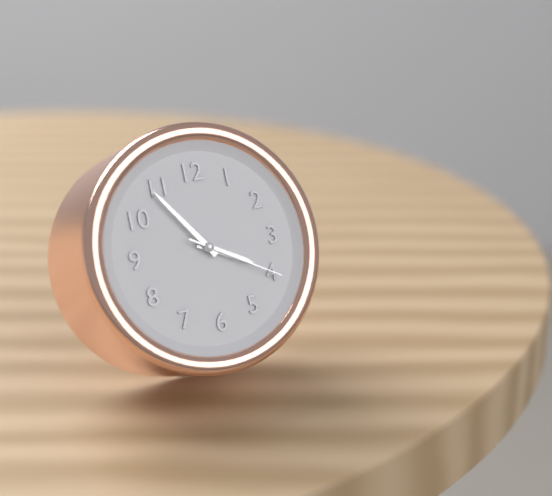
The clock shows h=3 m=54 s=20
